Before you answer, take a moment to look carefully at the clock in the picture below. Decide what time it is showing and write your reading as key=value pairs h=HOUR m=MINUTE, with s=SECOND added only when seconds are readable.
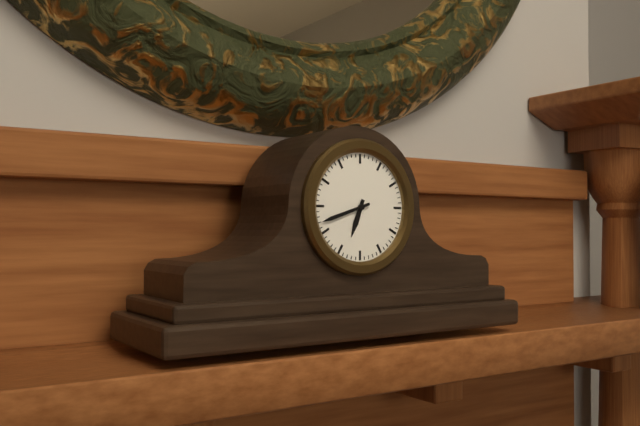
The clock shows h=6 m=42
